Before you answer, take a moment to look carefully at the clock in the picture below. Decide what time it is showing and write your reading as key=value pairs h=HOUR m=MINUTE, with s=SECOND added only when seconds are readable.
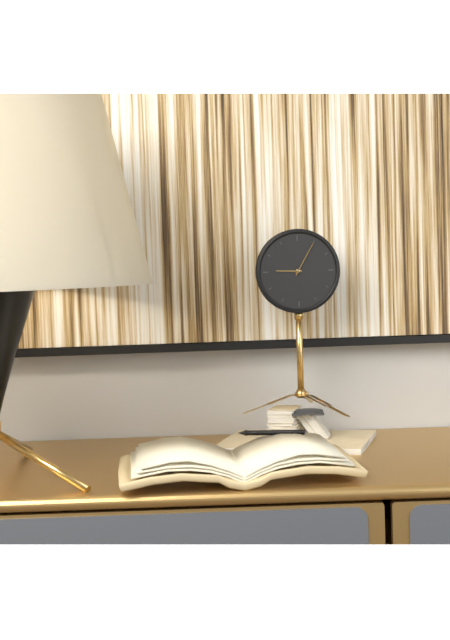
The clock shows h=9 m=5
